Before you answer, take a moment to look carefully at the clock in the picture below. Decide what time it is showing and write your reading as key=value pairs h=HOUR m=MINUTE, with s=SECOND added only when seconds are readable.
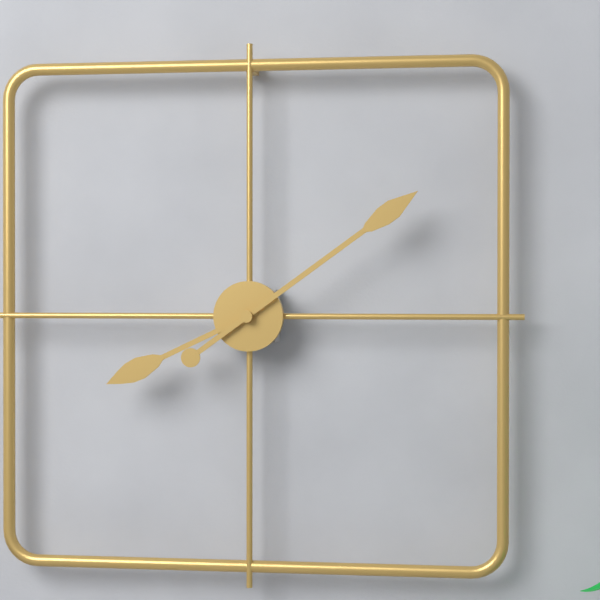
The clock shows h=8 m=9
